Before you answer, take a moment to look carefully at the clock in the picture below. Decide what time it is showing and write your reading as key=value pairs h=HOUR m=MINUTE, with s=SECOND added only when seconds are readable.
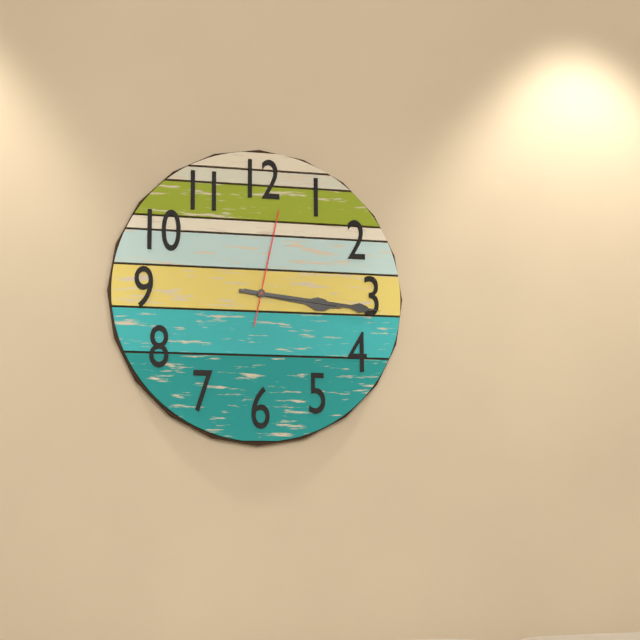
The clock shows h=3 m=16 s=2
